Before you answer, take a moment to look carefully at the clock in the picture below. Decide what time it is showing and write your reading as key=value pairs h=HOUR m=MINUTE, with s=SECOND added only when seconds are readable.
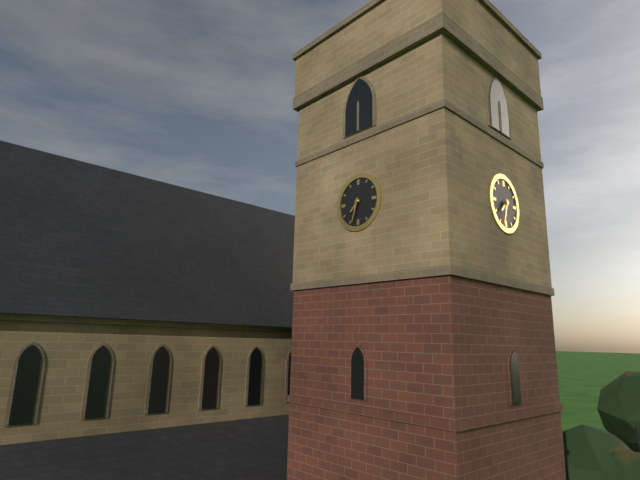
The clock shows h=7 m=33
